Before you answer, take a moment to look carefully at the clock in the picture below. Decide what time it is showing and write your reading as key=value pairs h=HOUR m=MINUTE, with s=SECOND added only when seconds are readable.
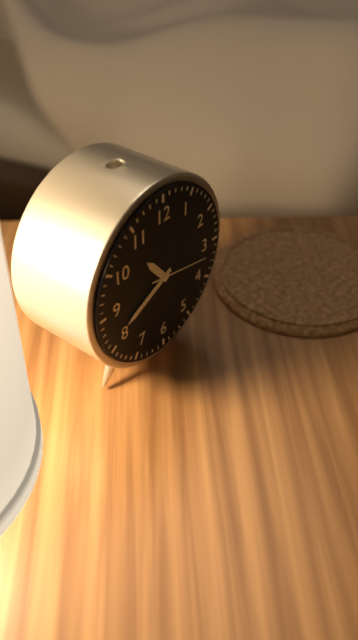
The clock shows h=10 m=41 s=17
